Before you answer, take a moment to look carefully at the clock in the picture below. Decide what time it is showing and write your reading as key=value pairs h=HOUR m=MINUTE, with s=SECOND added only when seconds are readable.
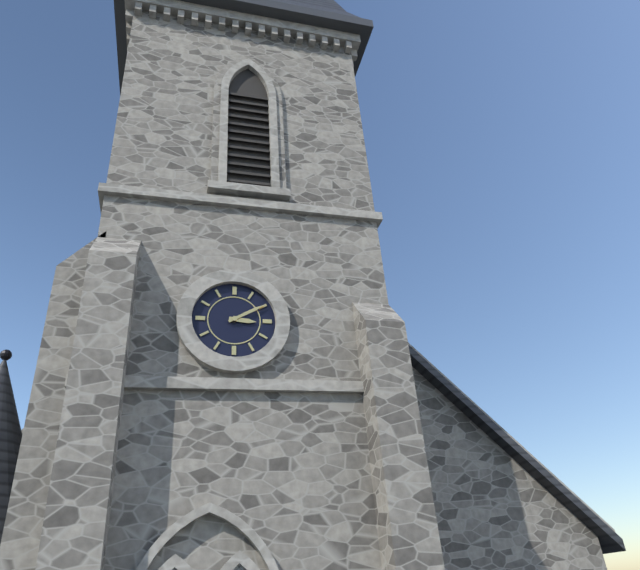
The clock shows h=3 m=10
